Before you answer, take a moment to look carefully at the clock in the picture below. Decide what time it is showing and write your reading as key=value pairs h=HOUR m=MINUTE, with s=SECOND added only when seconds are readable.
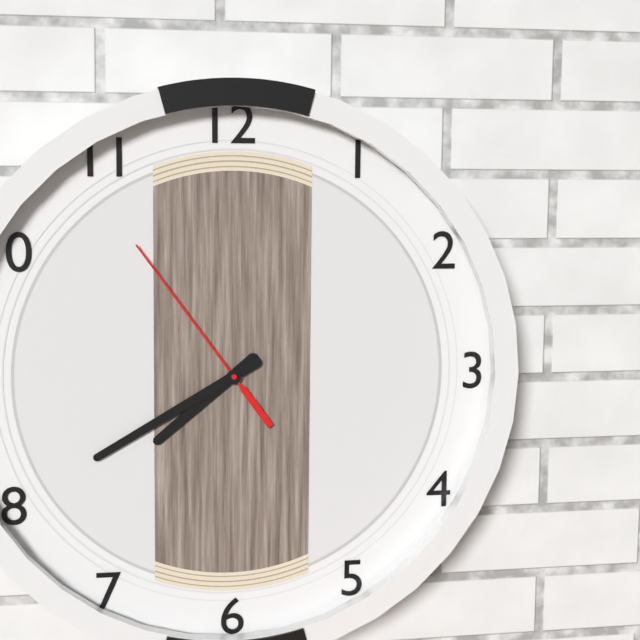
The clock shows h=7 m=40 s=54
